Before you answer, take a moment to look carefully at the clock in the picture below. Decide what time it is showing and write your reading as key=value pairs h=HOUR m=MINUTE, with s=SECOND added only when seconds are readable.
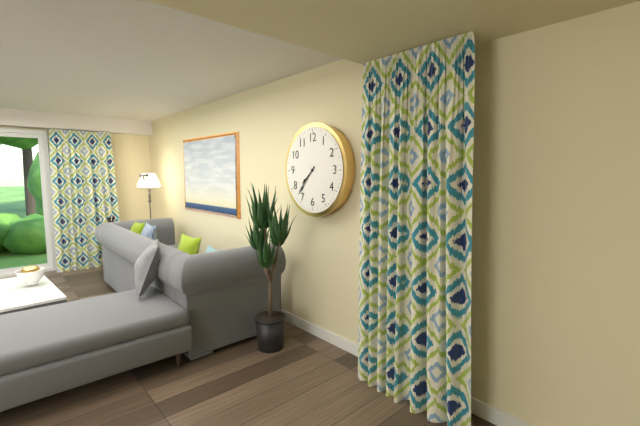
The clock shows h=7 m=37
